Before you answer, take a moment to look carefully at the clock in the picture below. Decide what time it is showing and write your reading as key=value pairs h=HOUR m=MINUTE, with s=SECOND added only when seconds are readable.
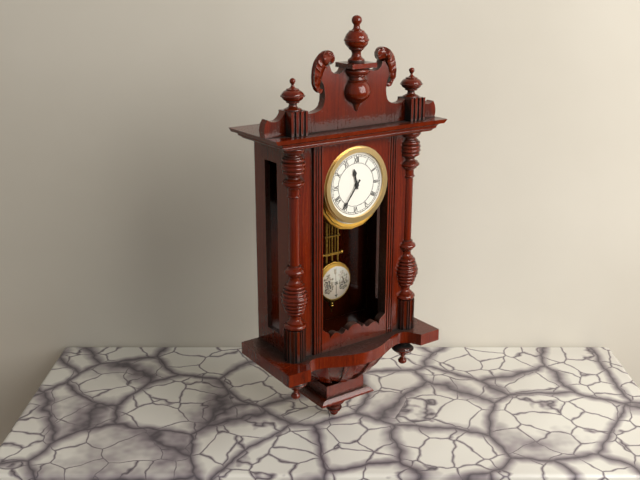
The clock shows h=11 m=36
